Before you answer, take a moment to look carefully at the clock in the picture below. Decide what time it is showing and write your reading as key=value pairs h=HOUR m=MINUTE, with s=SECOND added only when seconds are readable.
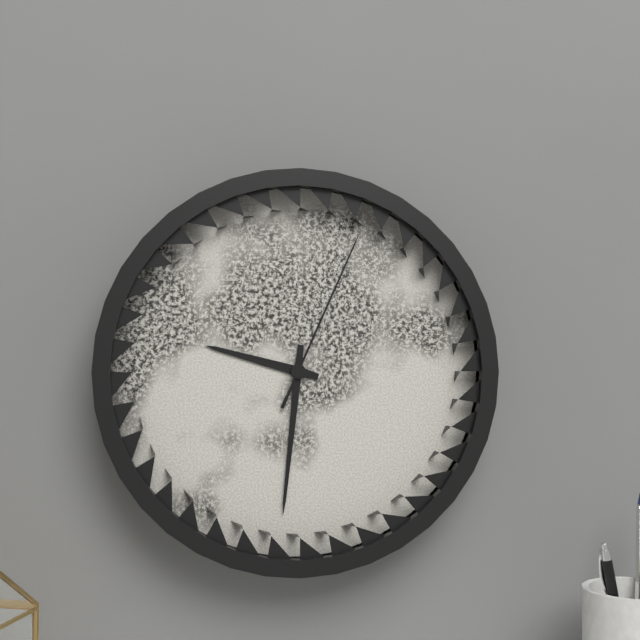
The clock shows h=9 m=31 s=4
